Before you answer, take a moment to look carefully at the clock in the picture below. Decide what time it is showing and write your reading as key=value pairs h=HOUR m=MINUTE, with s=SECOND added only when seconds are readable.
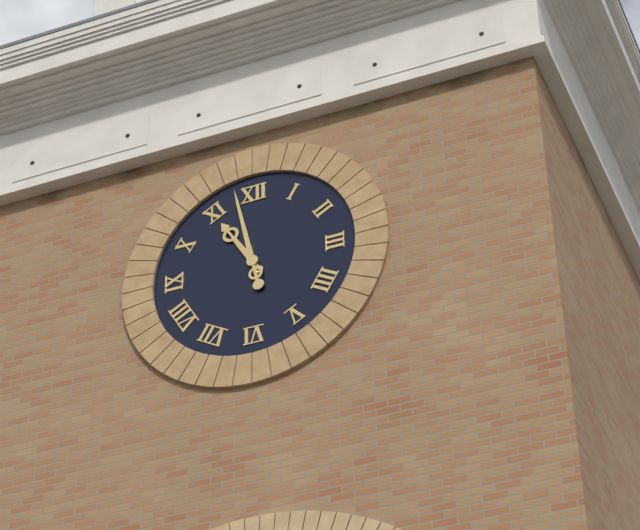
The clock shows h=10 m=58
